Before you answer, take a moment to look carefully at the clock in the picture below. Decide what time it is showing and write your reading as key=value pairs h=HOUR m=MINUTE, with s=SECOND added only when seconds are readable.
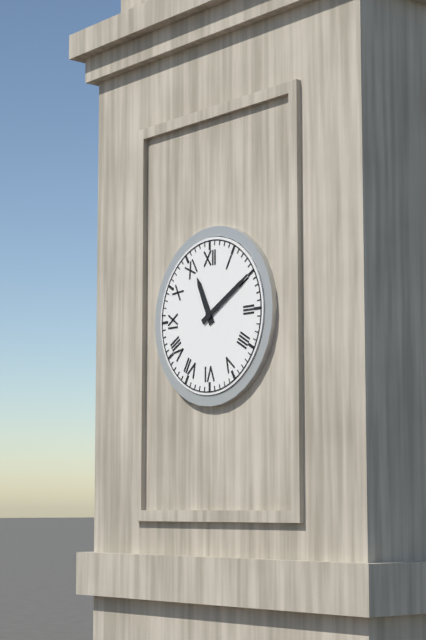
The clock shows h=11 m=10
